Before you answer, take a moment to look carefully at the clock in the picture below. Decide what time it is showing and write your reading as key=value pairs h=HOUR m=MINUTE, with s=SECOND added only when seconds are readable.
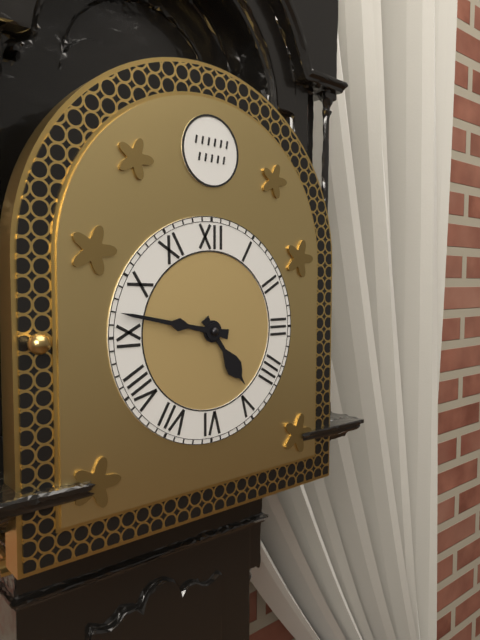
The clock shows h=4 m=47
